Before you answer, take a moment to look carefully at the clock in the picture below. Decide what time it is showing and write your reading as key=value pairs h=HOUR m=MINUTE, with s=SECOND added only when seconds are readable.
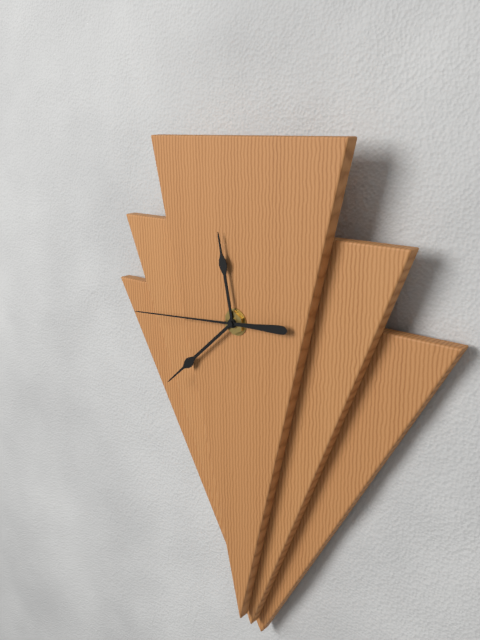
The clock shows h=11 m=38 s=44
